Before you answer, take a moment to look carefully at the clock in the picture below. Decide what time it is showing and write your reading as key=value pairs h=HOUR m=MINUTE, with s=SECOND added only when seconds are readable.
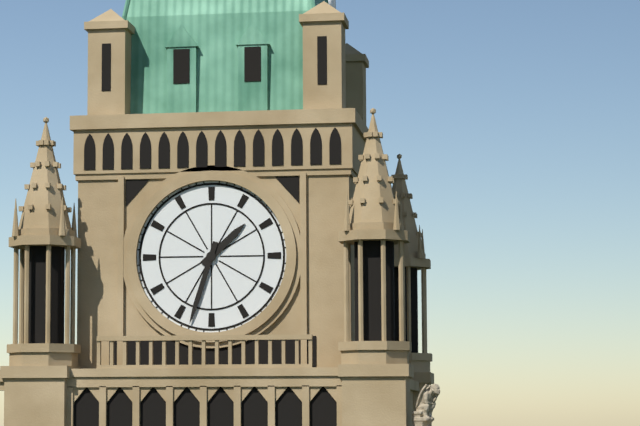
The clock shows h=1 m=33
